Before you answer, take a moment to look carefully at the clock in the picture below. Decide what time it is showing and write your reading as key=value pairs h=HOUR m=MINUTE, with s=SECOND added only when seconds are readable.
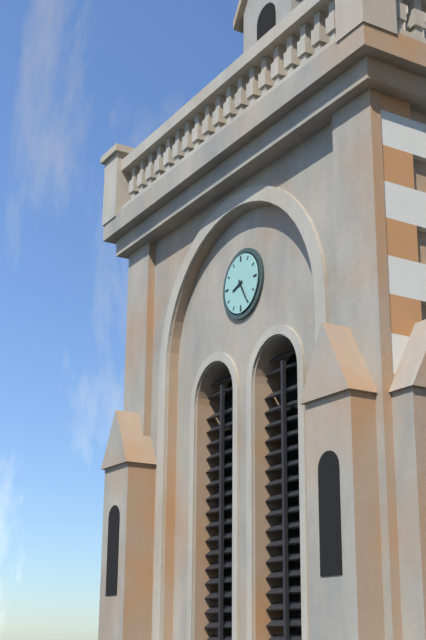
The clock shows h=8 m=25
